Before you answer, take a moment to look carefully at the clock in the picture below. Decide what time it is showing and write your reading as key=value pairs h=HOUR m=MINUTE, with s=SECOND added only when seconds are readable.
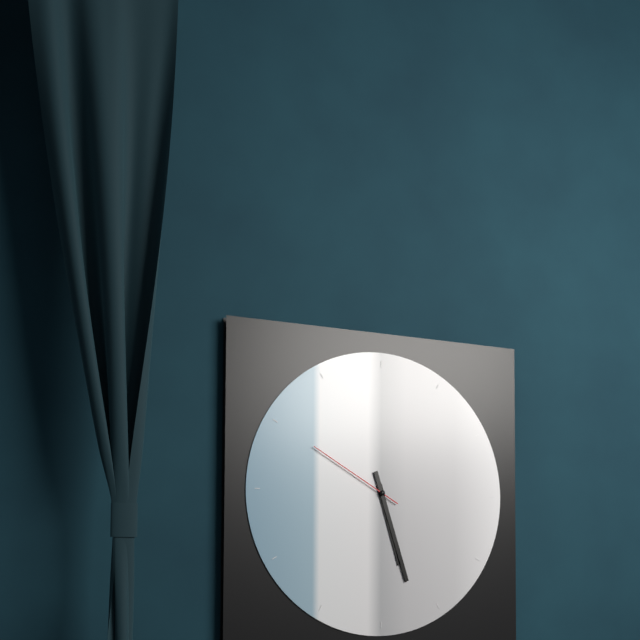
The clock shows h=5 m=27 s=50
